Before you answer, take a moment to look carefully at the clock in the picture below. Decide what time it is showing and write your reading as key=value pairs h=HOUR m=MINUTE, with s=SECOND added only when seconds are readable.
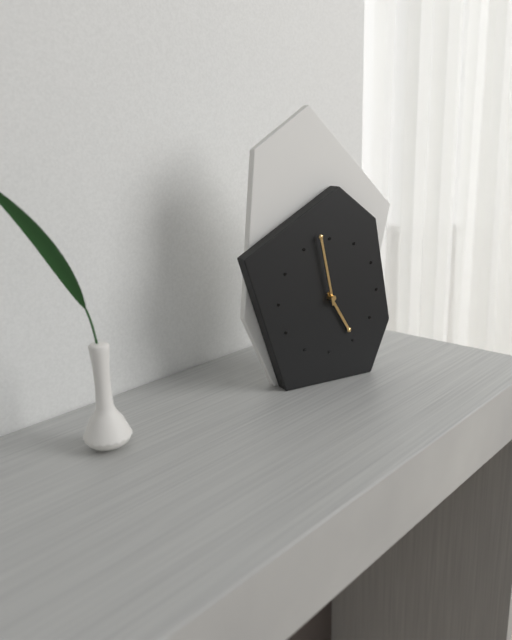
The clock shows h=4 m=58
